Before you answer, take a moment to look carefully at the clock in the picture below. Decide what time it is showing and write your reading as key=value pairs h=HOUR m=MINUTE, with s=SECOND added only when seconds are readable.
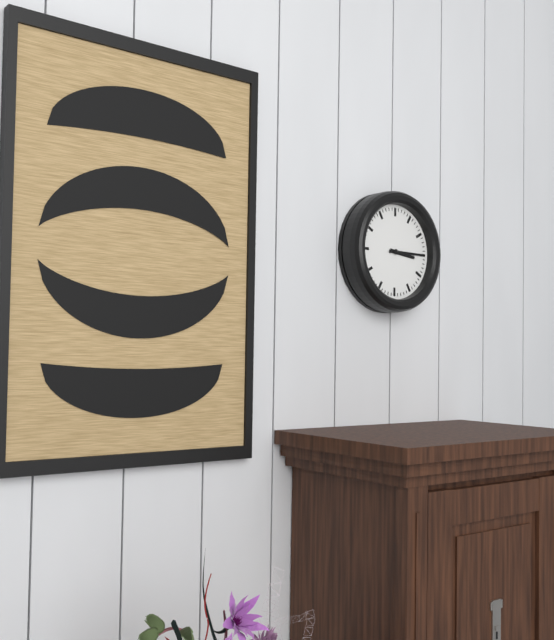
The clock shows h=3 m=15
